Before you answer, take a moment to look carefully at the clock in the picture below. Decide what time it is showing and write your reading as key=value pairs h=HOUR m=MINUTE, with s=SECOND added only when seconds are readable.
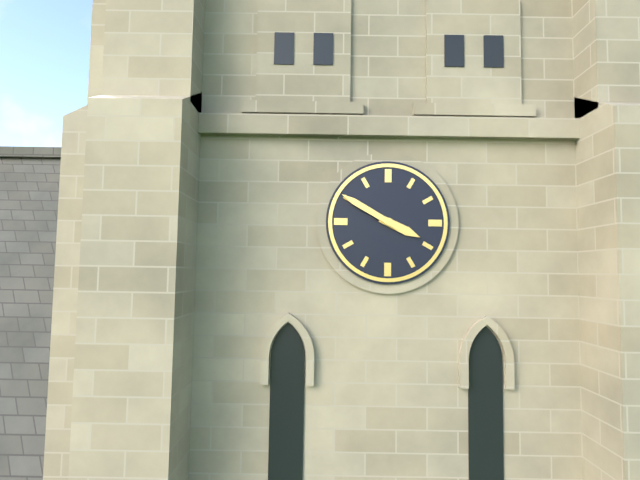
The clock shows h=3 m=50
